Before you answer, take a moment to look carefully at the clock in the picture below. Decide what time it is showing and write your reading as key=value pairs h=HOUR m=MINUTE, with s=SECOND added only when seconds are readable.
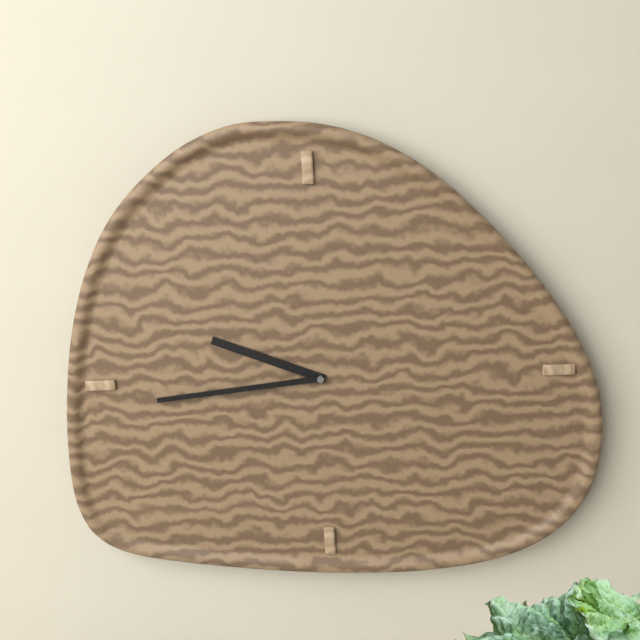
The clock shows h=9 m=44
